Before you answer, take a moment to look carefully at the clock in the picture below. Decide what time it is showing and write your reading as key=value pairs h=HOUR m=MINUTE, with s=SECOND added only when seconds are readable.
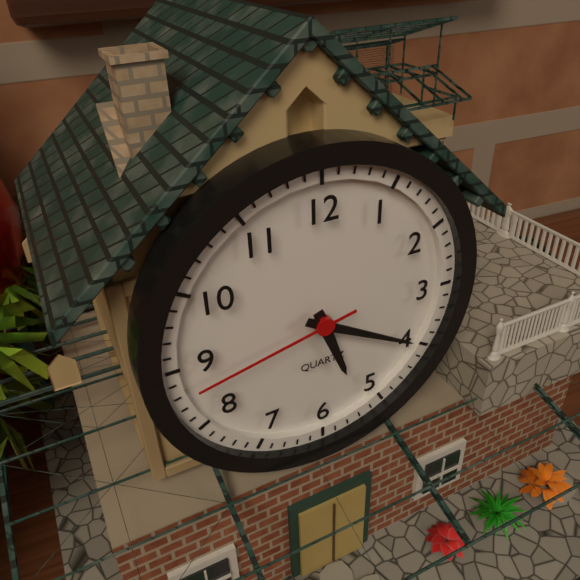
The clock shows h=5 m=20 s=43
